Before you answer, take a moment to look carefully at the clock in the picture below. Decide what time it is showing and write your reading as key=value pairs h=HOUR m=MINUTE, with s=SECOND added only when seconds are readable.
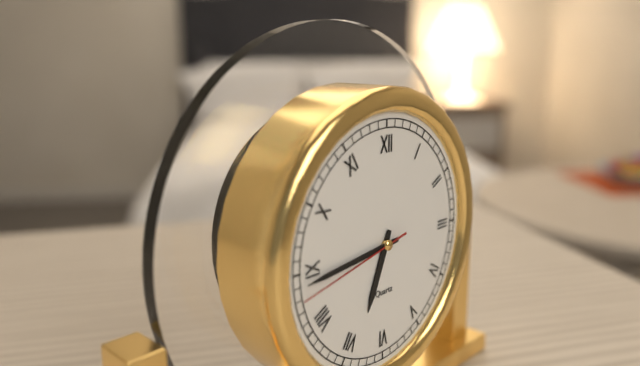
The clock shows h=6 m=44 s=43
